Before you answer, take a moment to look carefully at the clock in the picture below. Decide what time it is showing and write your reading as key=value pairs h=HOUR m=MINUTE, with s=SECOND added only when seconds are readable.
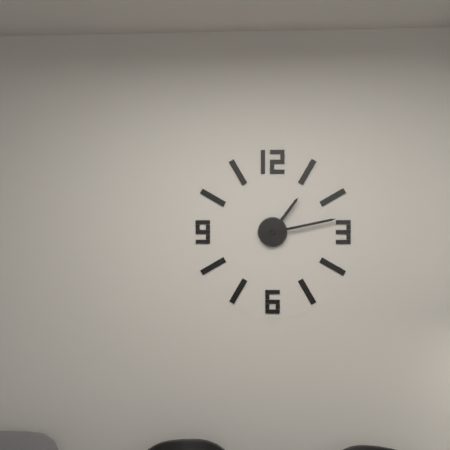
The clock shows h=1 m=13
